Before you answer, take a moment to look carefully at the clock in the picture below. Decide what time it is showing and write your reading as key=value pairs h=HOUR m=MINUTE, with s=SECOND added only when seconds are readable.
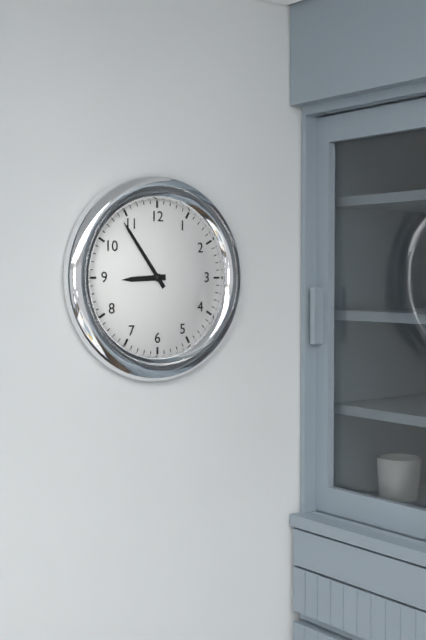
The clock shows h=8 m=54
